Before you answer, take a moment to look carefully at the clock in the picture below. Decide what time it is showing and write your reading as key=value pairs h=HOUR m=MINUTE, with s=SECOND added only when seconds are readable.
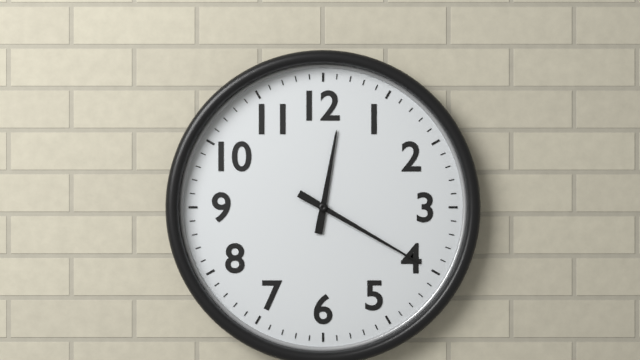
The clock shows h=12 m=20
